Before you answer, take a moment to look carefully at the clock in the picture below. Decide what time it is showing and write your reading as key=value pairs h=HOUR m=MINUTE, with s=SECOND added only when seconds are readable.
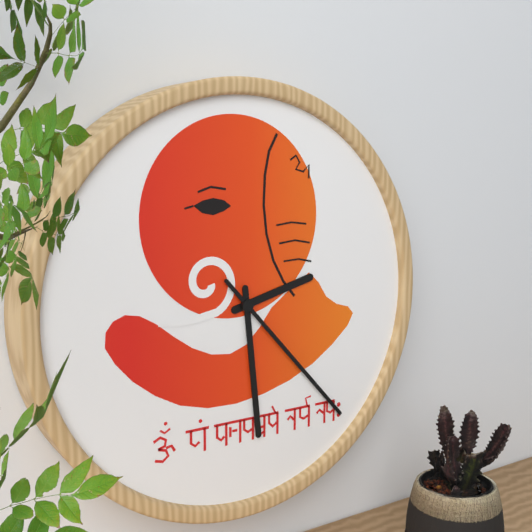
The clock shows h=2 m=29 s=23
